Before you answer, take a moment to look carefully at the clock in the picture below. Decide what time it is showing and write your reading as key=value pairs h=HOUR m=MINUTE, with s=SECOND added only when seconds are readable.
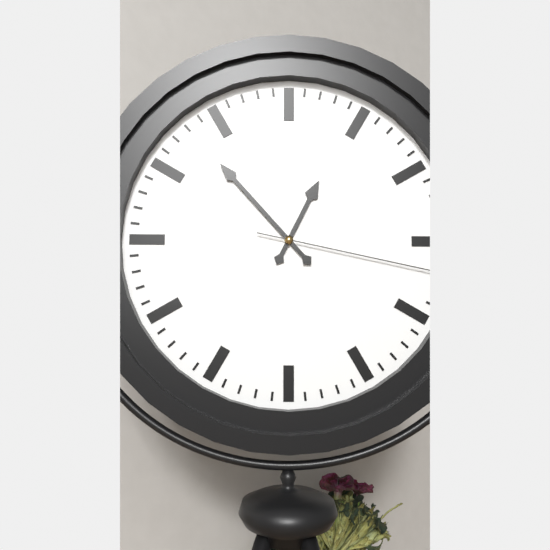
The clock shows h=12 m=53 s=17
